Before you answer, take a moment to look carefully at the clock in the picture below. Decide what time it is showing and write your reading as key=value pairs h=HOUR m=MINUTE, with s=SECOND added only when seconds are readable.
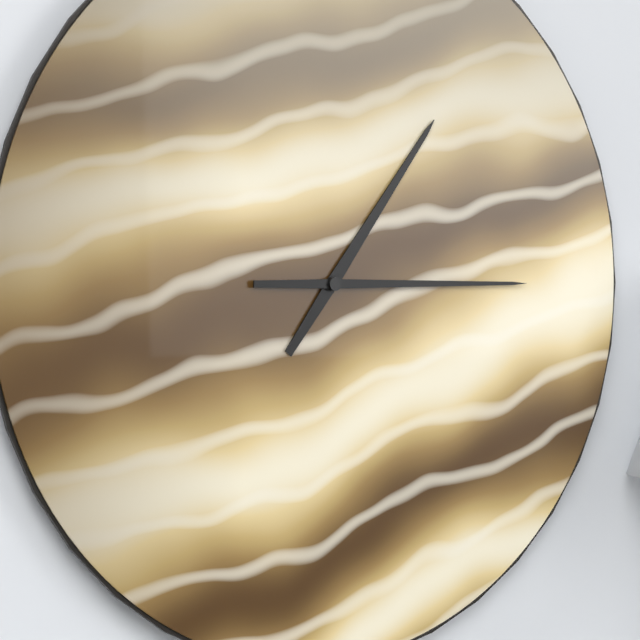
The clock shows h=1 m=15
